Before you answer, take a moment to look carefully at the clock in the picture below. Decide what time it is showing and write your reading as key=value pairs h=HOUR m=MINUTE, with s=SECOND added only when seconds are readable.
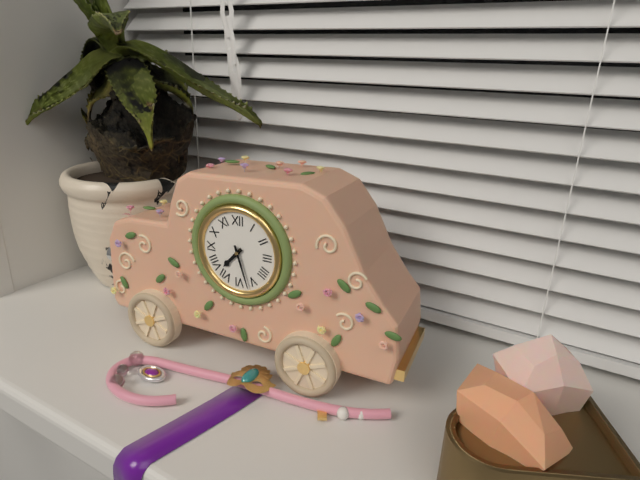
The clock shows h=7 m=27
